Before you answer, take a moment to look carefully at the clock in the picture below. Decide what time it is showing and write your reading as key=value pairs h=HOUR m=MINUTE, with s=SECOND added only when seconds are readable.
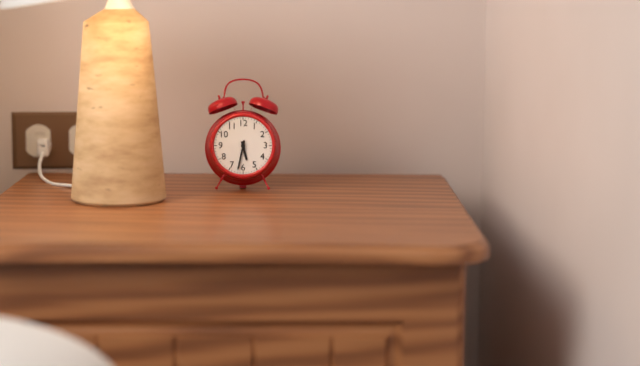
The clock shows h=5 m=32
